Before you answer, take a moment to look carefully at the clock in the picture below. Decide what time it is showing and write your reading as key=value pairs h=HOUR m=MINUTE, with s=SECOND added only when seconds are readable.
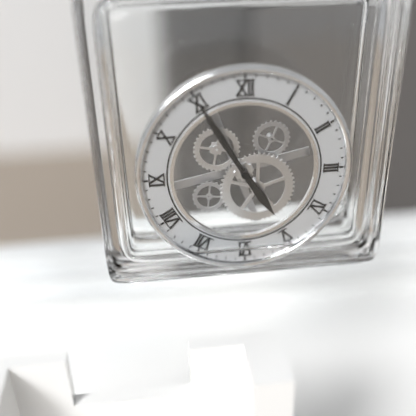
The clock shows h=4 m=55
